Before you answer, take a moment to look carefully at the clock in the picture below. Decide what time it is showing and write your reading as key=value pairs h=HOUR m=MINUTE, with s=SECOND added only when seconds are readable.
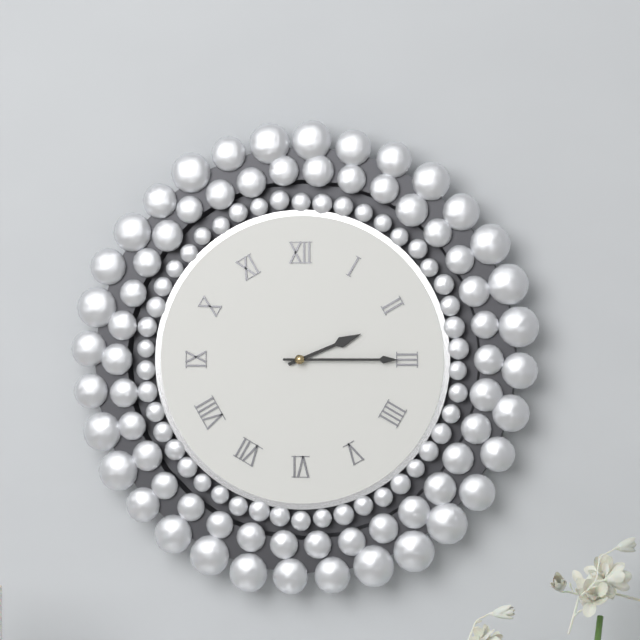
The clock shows h=2 m=15
